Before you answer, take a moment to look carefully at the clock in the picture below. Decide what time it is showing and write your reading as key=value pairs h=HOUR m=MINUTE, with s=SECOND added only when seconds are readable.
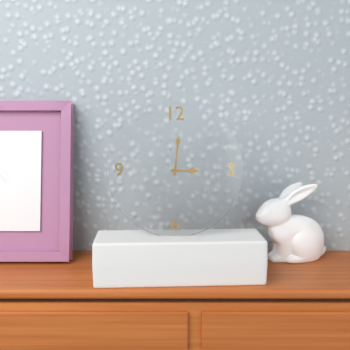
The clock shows h=3 m=1
